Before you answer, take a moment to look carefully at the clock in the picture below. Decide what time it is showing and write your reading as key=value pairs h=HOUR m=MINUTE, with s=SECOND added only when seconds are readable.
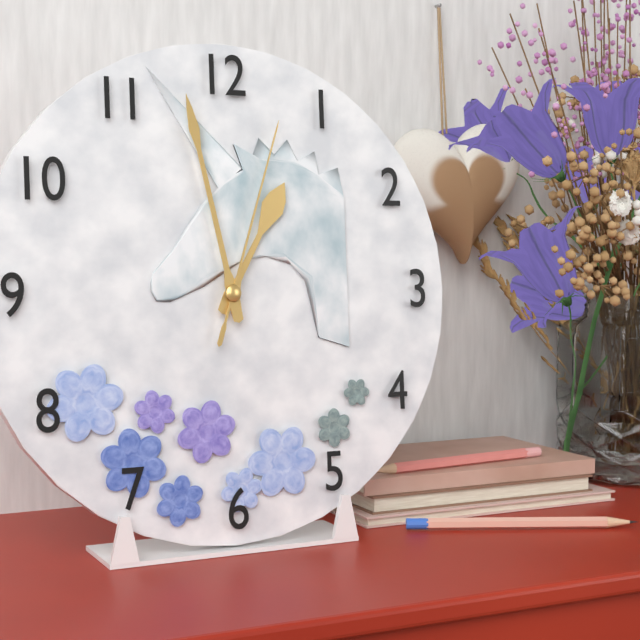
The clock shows h=12 m=58 s=3
